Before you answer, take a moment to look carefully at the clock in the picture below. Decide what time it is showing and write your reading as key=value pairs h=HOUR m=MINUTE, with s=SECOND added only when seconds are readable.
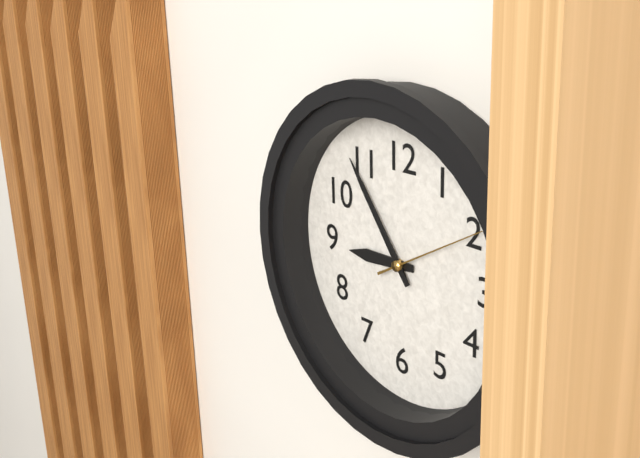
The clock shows h=8 m=54 s=10
